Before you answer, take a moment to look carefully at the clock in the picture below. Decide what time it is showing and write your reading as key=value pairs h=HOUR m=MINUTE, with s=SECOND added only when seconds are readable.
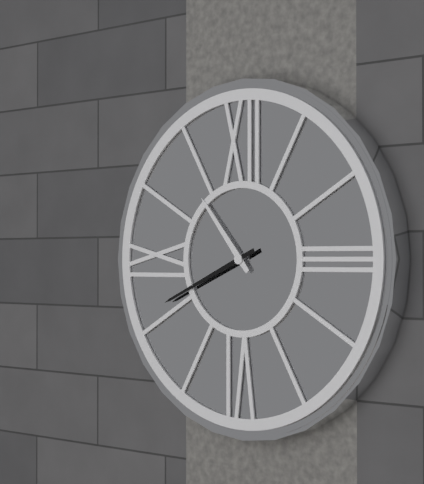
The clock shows h=10 m=41
